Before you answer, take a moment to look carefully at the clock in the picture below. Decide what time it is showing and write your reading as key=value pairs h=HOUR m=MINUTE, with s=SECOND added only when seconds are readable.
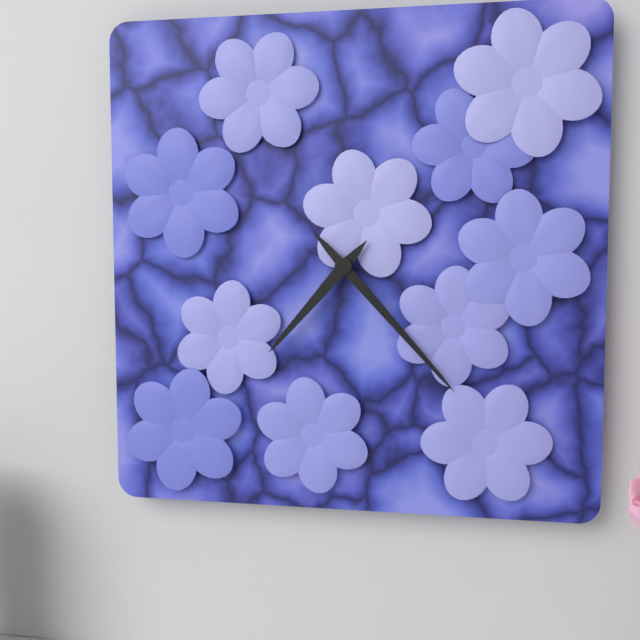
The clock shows h=7 m=23
